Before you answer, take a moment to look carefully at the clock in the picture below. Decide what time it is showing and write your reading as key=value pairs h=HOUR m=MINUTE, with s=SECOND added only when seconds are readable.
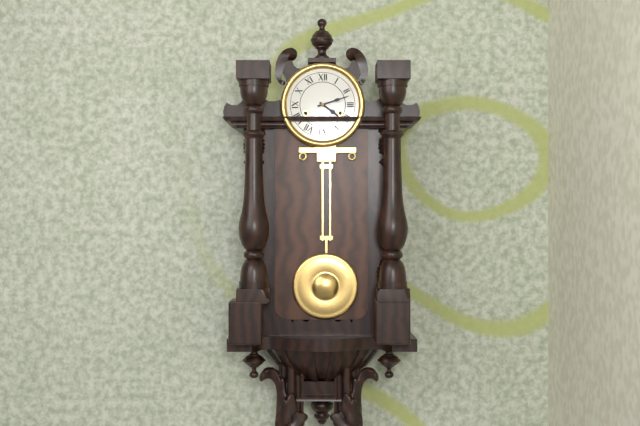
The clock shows h=4 m=12
